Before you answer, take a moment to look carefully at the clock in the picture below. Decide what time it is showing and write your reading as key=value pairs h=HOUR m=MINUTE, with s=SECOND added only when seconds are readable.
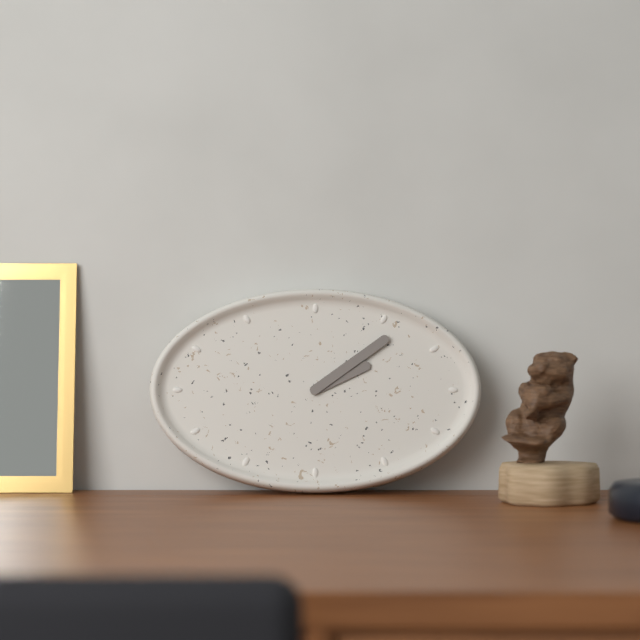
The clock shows h=2 m=9
